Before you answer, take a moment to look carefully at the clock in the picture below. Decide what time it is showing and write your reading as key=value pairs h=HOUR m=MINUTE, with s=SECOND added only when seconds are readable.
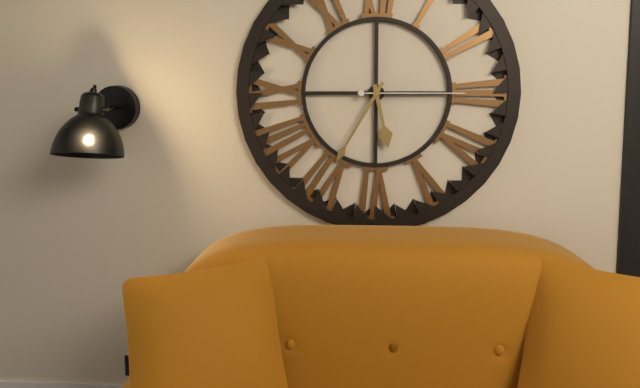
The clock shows h=5 m=35 s=15
